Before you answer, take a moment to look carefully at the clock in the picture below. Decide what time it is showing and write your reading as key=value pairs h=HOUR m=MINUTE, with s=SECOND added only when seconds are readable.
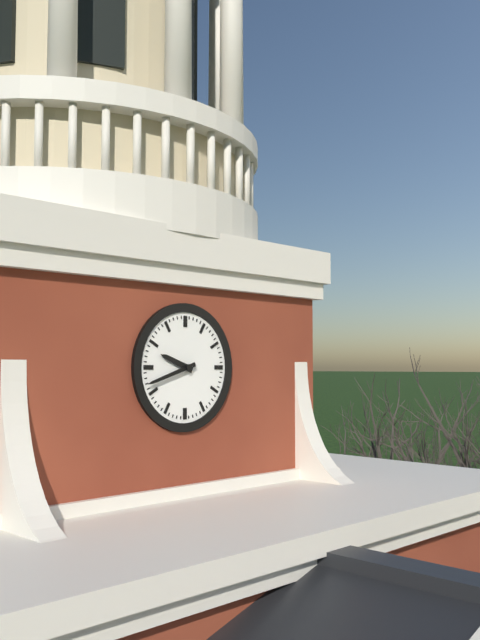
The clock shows h=9 m=42
